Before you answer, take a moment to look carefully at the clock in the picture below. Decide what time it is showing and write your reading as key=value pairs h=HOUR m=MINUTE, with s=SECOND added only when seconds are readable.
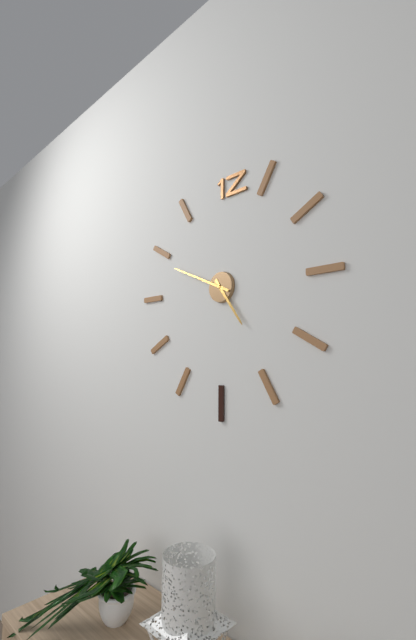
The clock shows h=4 m=49
